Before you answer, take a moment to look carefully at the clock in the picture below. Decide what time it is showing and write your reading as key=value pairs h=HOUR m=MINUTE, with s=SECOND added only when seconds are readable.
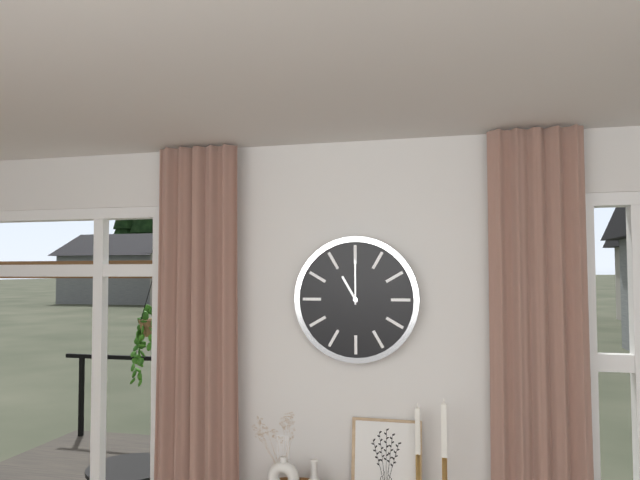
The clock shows h=11 m=0
